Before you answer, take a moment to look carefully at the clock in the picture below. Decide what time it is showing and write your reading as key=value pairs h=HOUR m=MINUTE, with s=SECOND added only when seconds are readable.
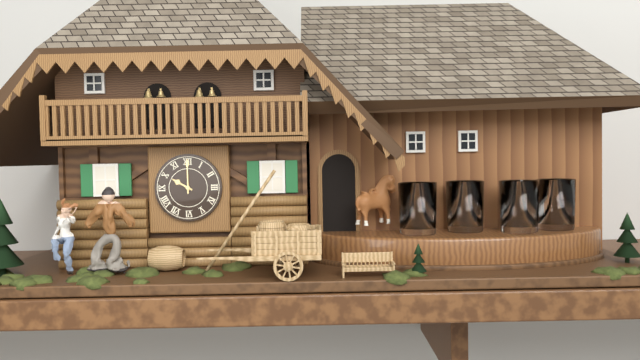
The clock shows h=10 m=0
